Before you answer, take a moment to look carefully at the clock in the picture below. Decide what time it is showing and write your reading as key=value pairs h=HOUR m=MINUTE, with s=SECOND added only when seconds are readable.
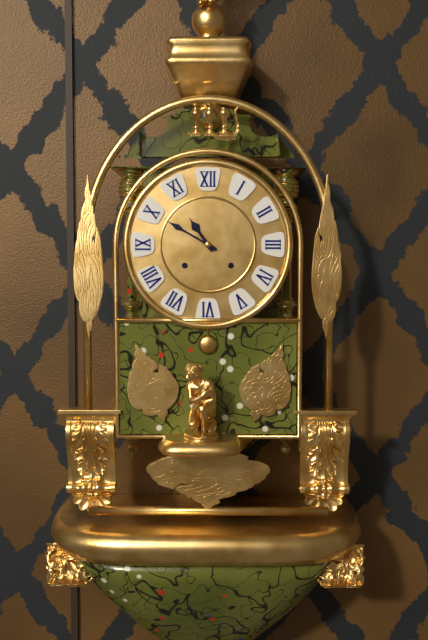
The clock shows h=10 m=50
